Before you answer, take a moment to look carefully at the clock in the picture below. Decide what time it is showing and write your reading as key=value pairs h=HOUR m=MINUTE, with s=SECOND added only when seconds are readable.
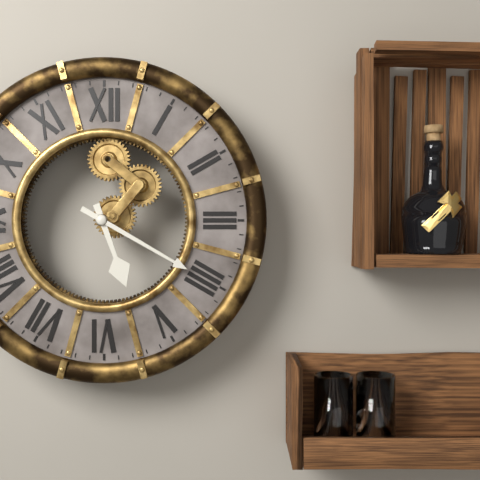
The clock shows h=5 m=20
